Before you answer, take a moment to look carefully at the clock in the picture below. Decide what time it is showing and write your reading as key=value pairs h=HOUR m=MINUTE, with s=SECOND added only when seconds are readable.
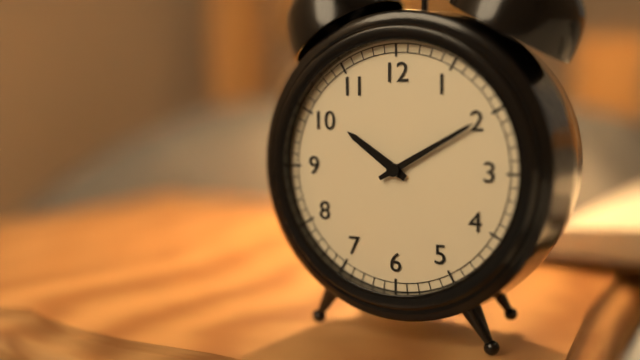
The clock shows h=10 m=10
